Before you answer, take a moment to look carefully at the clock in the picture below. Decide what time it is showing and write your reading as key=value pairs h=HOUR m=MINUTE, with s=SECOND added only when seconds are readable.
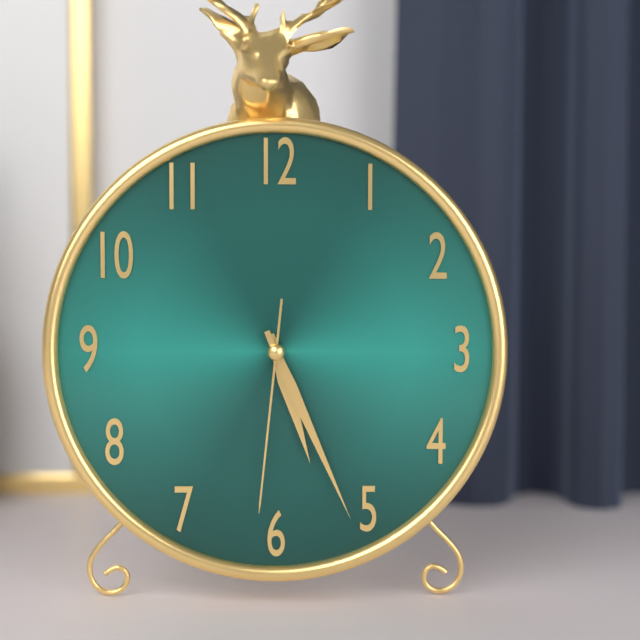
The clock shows h=5 m=26 s=31
